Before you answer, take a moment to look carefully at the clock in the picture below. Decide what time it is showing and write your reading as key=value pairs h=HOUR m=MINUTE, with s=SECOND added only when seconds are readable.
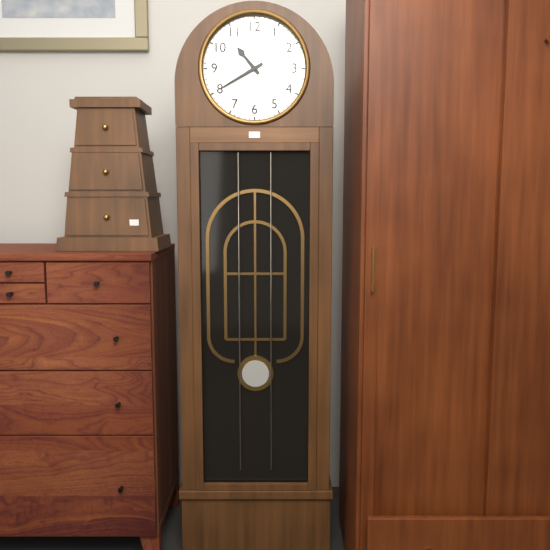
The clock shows h=10 m=40
